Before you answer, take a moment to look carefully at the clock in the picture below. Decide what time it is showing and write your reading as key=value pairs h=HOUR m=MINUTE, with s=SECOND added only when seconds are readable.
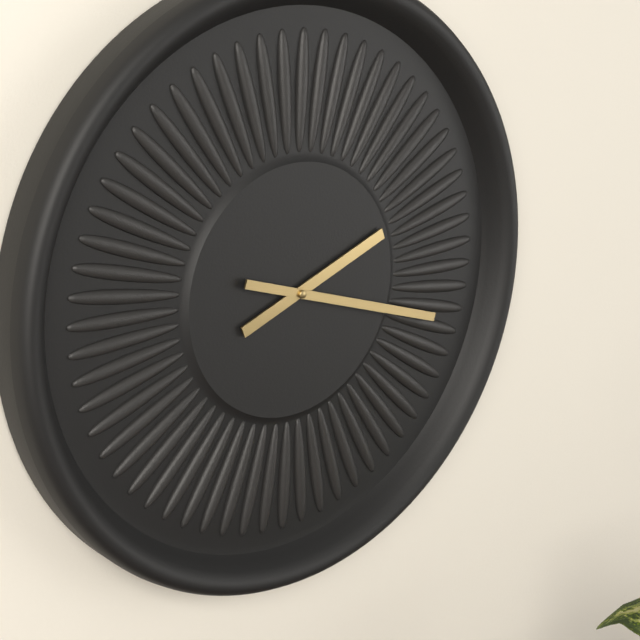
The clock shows h=2 m=18
